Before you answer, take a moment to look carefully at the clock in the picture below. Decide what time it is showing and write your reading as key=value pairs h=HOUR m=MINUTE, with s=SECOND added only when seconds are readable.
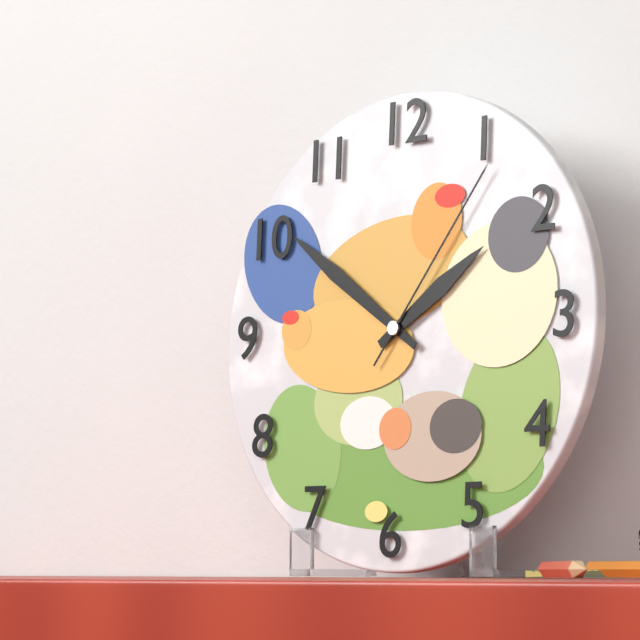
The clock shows h=1 m=51 s=6
